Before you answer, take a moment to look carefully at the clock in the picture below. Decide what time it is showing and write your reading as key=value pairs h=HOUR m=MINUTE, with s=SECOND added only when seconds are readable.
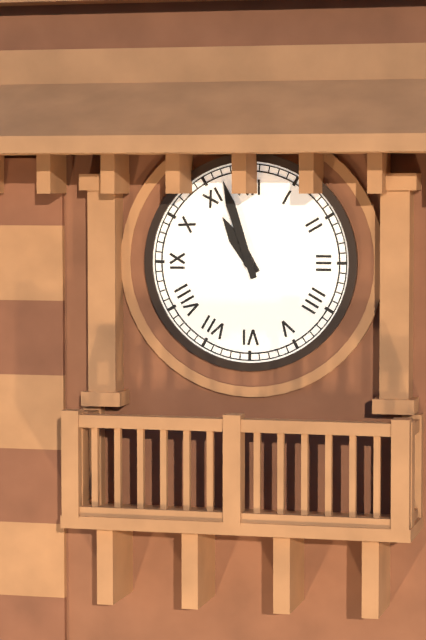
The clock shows h=10 m=57
